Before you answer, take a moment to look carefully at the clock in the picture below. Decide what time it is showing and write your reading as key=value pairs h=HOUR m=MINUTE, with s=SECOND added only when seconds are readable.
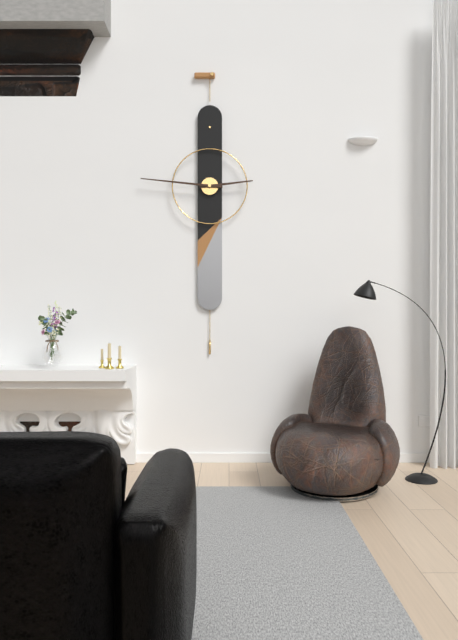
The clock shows h=2 m=46
